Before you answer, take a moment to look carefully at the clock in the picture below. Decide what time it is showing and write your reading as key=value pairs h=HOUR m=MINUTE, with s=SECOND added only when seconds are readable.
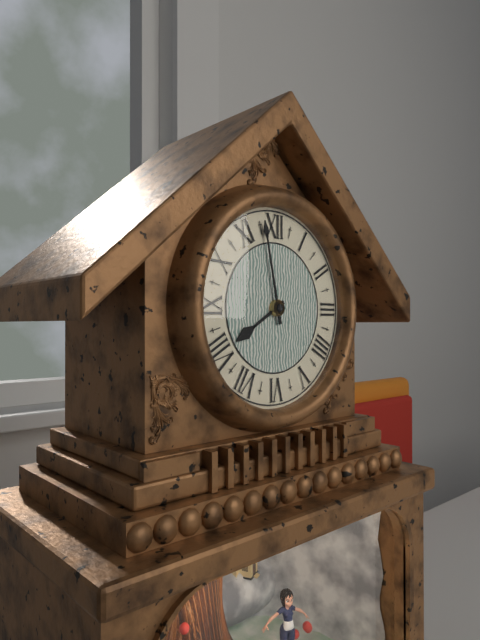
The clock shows h=7 m=58
